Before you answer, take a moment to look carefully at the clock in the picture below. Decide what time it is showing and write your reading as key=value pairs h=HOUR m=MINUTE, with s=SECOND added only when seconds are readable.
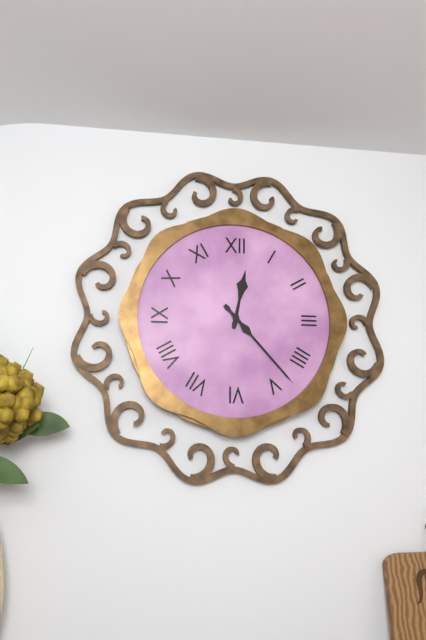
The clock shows h=12 m=23
